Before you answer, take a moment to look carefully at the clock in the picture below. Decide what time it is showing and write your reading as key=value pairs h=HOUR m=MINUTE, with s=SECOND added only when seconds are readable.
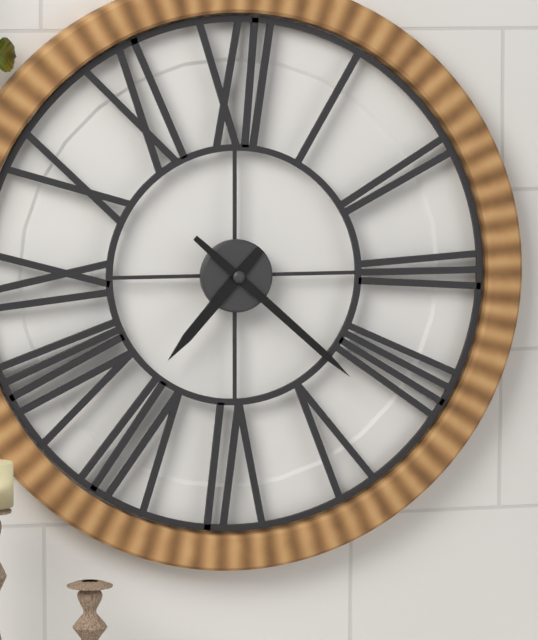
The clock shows h=7 m=22
